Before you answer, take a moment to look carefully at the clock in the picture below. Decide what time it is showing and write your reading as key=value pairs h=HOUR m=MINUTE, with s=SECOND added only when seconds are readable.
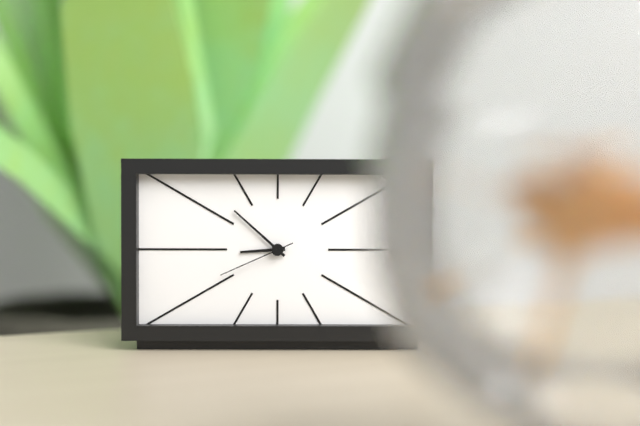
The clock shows h=8 m=52 s=41
